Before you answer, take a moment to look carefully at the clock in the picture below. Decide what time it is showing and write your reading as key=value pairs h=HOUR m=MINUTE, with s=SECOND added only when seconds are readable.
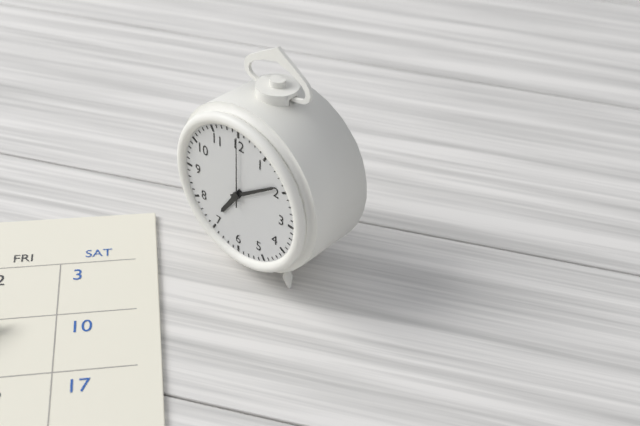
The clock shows h=7 m=9 s=0
